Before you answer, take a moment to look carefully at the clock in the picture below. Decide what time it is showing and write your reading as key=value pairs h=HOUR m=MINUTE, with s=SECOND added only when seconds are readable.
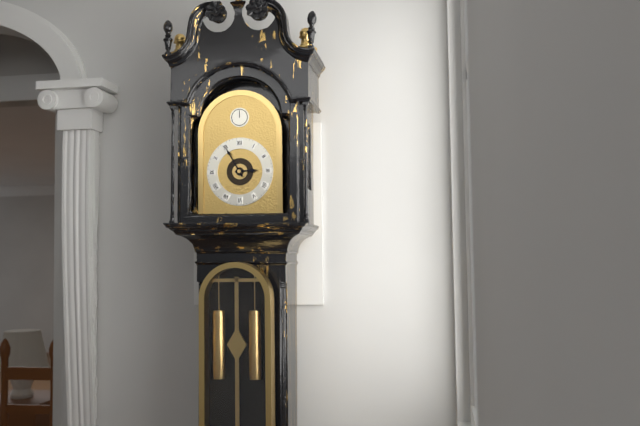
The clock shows h=2 m=55
